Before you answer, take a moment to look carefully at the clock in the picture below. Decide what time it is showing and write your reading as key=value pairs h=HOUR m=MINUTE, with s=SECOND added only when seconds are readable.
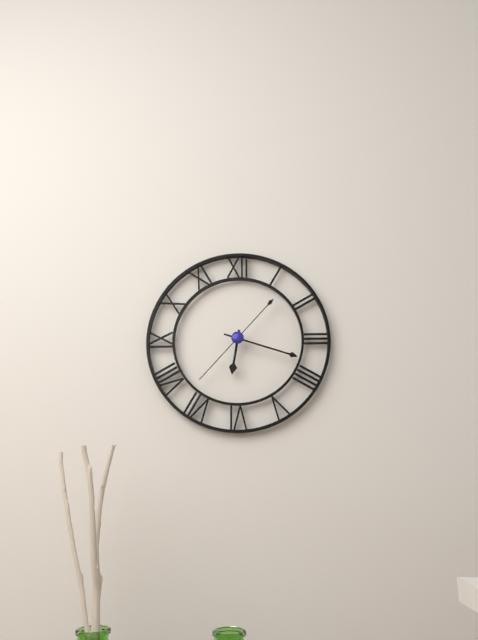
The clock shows h=6 m=18 s=37
